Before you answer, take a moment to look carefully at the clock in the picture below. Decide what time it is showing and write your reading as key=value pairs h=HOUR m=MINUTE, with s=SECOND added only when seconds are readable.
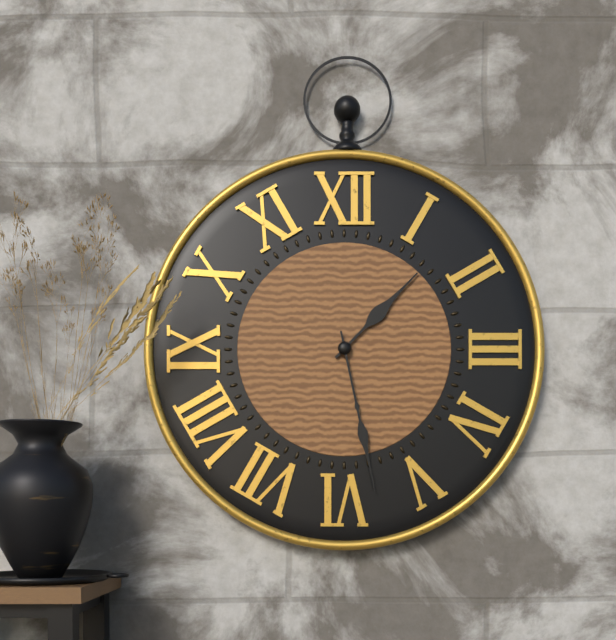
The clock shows h=1 m=28
